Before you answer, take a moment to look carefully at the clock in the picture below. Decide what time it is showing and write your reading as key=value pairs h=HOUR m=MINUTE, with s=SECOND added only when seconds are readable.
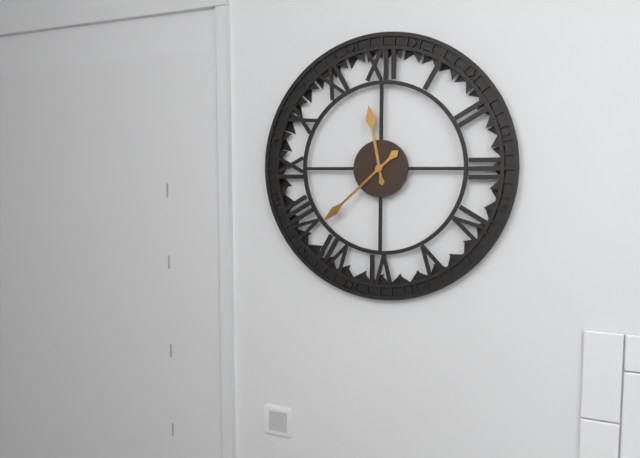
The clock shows h=11 m=38
